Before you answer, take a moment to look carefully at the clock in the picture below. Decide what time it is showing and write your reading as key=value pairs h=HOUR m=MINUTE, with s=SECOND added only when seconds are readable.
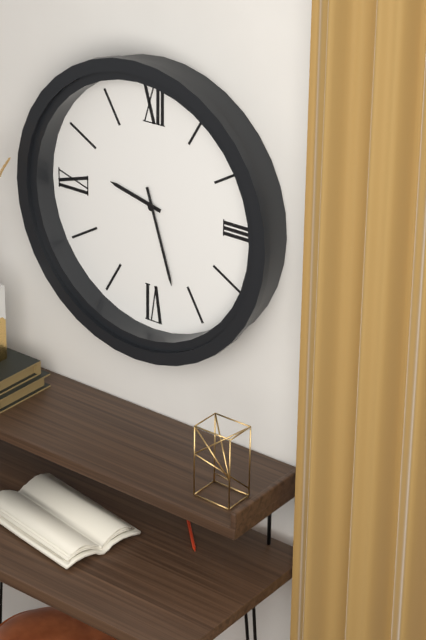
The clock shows h=9 m=27
